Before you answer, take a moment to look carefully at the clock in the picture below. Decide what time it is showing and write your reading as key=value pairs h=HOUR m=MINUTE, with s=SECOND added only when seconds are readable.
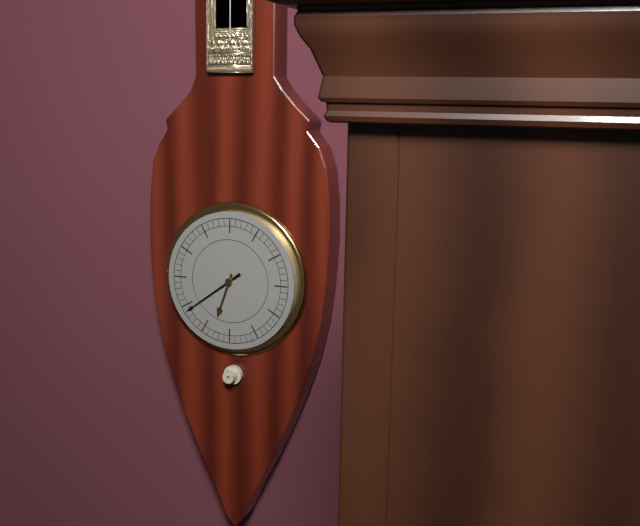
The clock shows h=6 m=39
